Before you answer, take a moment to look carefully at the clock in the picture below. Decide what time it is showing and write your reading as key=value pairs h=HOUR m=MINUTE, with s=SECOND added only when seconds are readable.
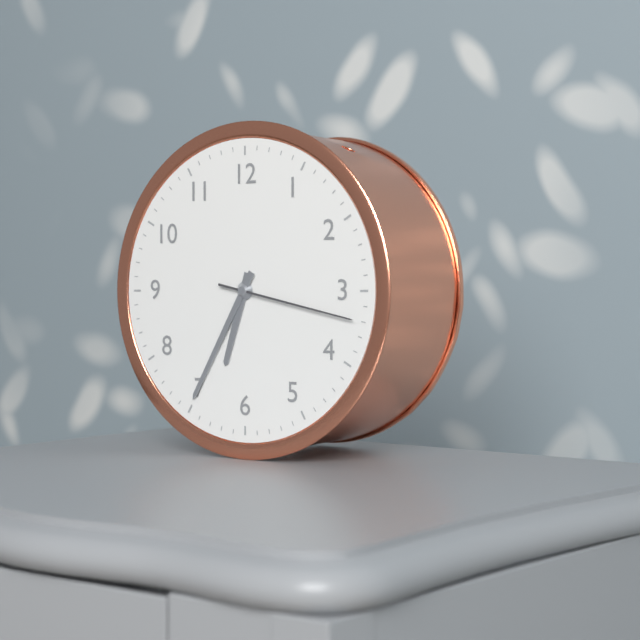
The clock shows h=6 m=35 s=17
